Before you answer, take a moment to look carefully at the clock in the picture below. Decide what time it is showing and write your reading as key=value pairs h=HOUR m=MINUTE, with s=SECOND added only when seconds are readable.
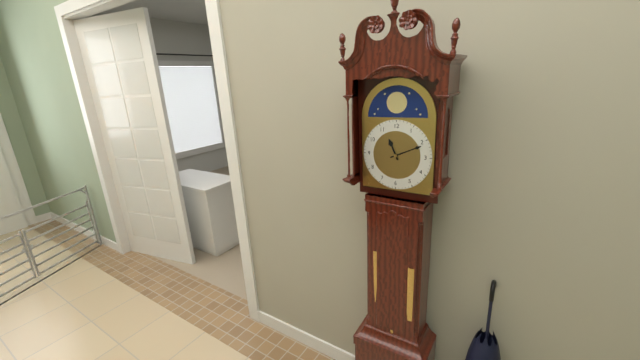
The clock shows h=11 m=11
